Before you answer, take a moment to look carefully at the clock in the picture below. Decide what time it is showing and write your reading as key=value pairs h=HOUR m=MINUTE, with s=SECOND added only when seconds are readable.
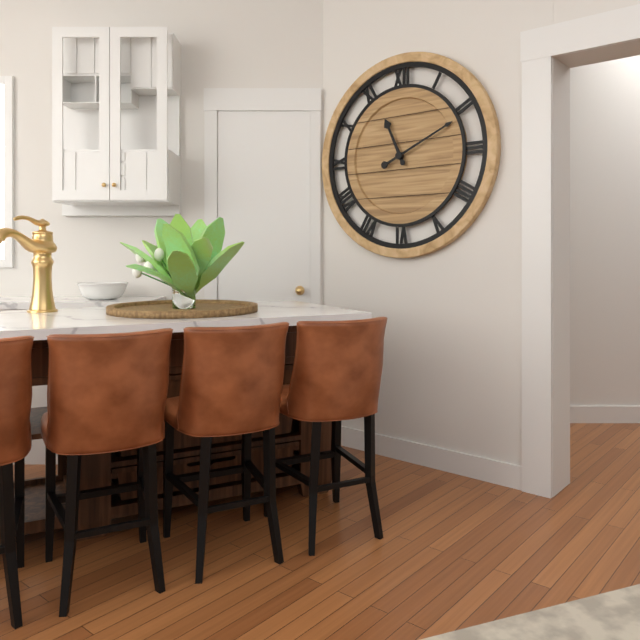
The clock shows h=11 m=11
